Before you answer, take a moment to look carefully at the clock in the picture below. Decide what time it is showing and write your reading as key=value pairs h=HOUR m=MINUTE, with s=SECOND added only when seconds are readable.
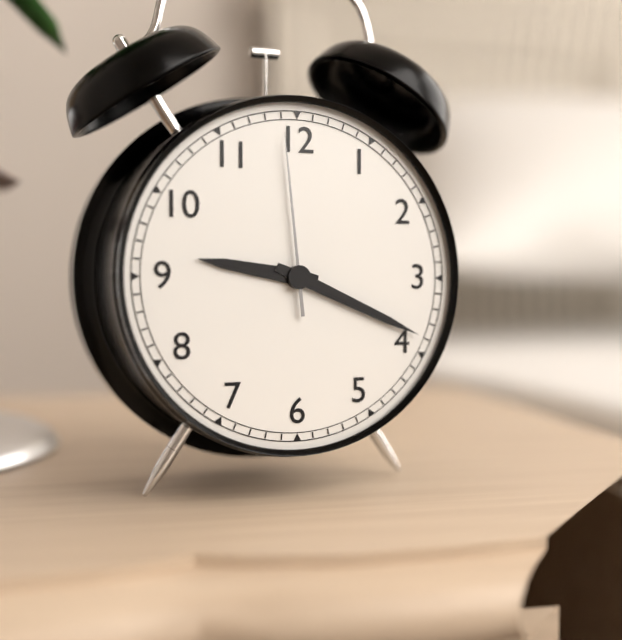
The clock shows h=9 m=19 s=59
